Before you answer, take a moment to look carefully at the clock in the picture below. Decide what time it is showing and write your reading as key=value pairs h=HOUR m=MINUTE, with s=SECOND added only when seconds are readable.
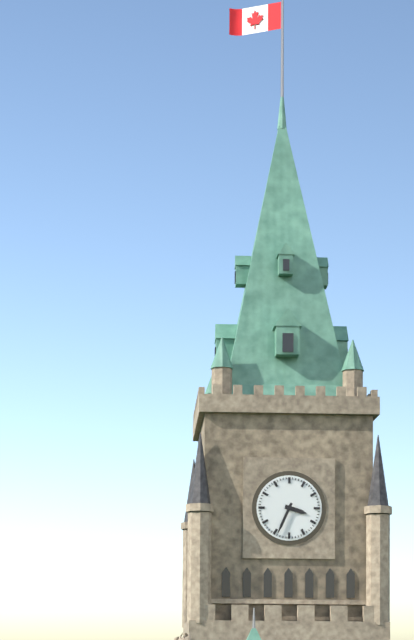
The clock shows h=3 m=34
